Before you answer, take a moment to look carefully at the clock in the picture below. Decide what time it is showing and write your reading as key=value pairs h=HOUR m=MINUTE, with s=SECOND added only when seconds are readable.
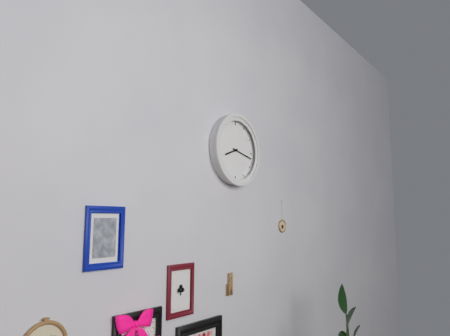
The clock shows h=8 m=17
